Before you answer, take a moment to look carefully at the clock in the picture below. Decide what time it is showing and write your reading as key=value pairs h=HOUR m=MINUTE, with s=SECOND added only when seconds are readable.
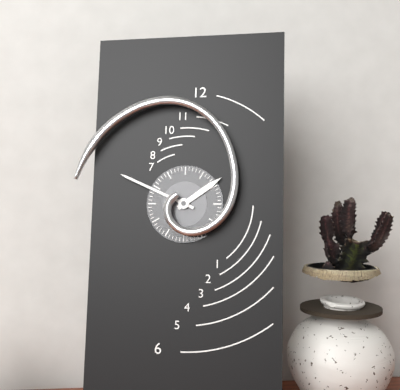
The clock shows h=1 m=49
